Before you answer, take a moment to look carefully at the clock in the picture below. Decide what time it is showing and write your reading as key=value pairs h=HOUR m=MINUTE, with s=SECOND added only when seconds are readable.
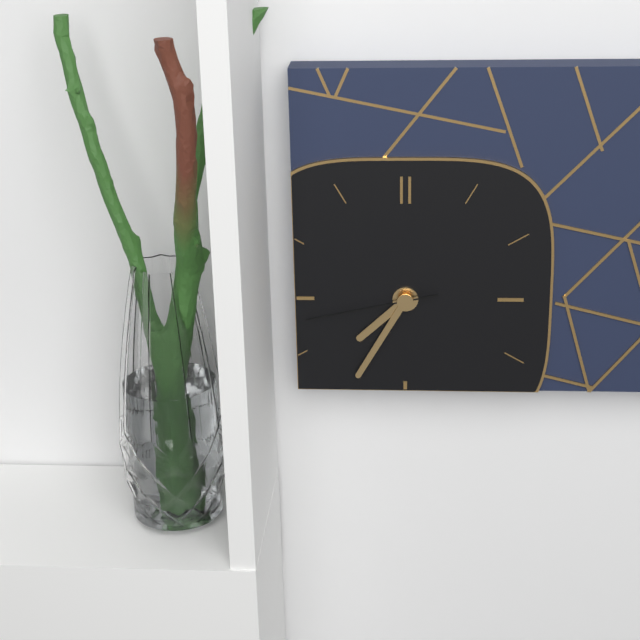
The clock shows h=7 m=35 s=43
